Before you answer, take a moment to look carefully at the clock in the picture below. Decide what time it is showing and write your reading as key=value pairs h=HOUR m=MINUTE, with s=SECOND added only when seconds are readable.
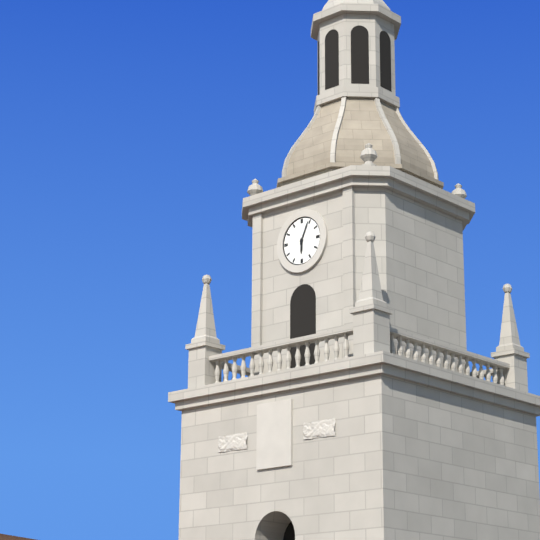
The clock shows h=6 m=4
